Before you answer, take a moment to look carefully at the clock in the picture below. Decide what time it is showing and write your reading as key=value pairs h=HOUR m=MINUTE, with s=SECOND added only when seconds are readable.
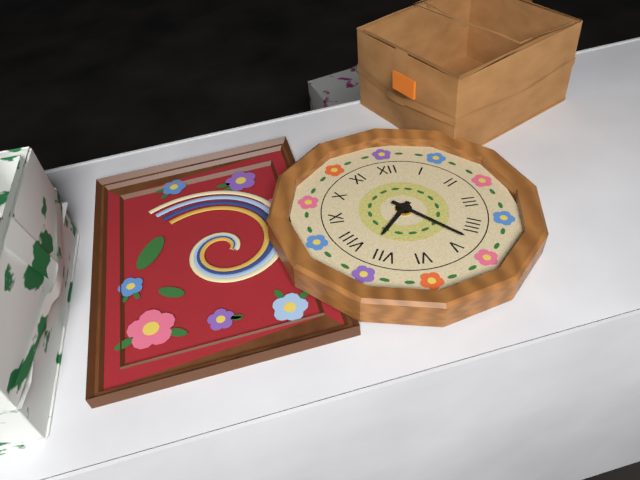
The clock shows h=7 m=23
